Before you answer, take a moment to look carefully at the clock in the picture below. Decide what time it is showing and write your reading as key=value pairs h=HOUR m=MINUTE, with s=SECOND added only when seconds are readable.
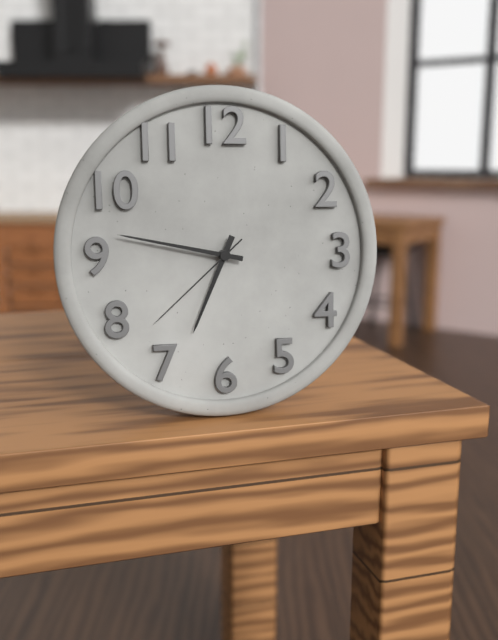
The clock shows h=6 m=47 s=38
